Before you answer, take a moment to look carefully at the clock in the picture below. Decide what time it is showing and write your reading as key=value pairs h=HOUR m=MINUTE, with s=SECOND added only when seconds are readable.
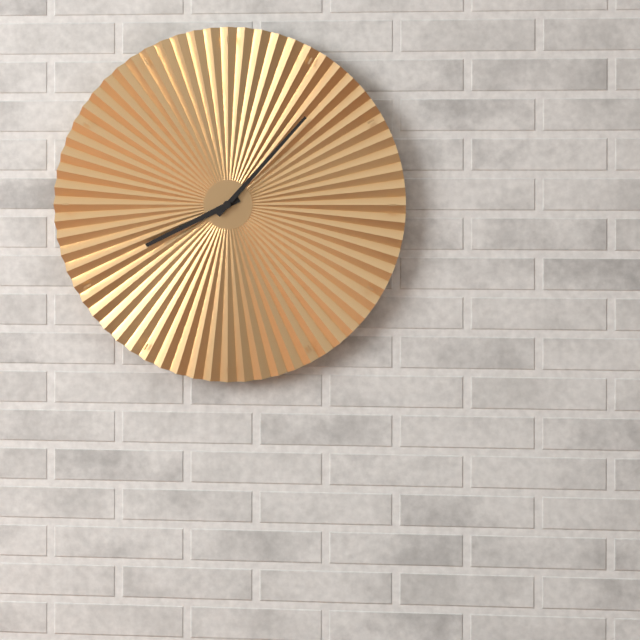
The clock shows h=8 m=7
